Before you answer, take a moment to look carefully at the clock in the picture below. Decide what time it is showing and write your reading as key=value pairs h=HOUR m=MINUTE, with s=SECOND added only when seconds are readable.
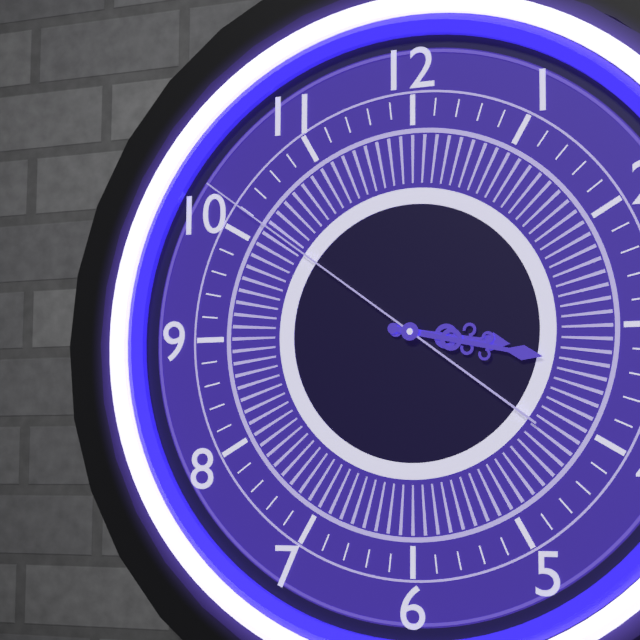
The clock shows h=3 m=17 s=51
